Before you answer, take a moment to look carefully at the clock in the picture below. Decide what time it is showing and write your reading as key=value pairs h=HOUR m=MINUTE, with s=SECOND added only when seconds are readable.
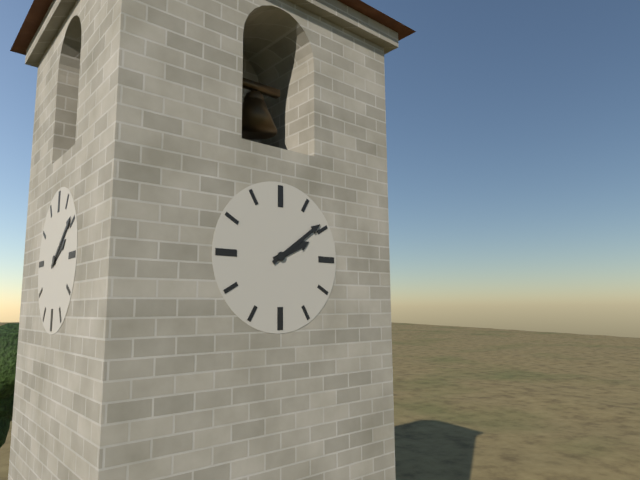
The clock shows h=2 m=9
